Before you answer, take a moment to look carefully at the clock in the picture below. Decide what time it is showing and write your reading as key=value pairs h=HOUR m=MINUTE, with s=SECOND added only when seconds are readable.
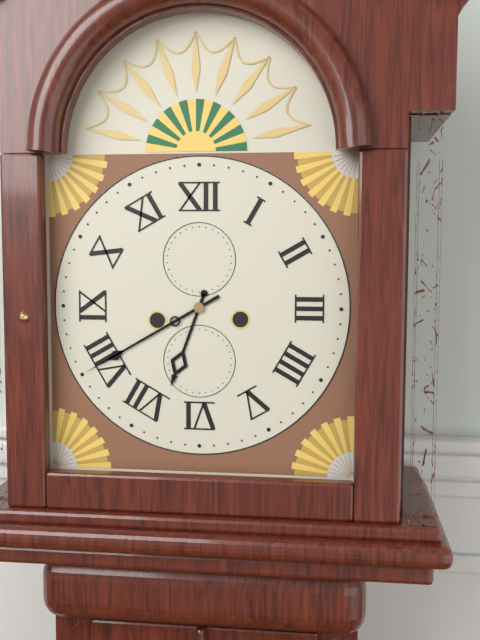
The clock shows h=6 m=40
